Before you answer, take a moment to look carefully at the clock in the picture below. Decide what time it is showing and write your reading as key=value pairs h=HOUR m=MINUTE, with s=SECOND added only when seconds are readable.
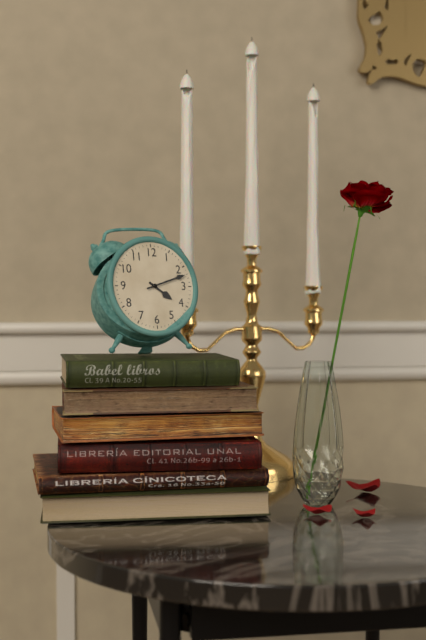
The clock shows h=4 m=12
